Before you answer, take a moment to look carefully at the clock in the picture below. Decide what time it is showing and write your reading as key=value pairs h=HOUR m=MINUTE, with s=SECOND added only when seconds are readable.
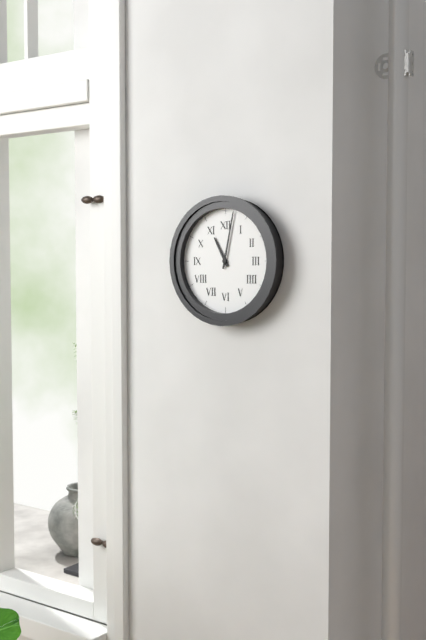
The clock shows h=11 m=2
